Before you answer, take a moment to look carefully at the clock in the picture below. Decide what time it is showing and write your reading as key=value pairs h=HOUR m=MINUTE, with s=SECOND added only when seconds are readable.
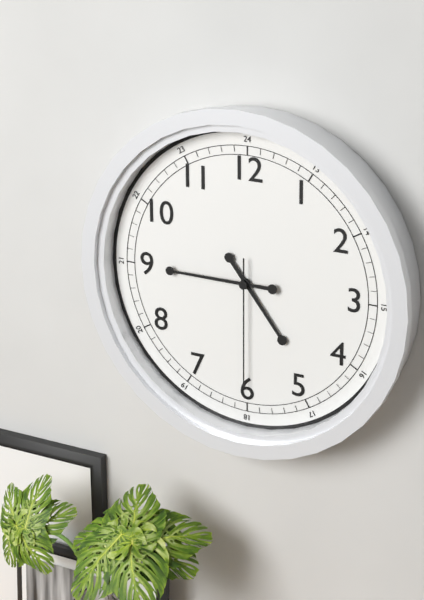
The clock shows h=4 m=45 s=30
